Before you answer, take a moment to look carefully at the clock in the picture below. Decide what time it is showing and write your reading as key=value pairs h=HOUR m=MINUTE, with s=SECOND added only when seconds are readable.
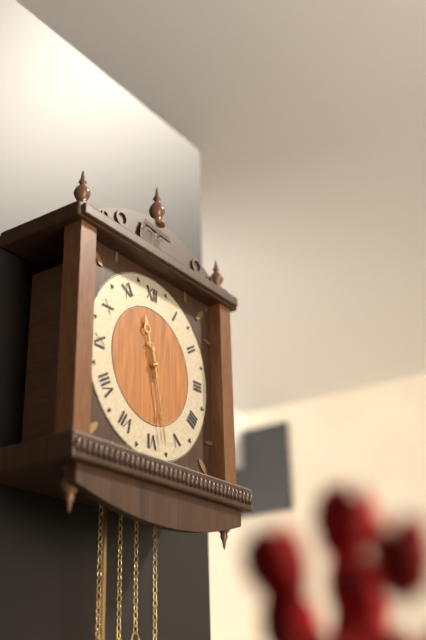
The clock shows h=11 m=28
